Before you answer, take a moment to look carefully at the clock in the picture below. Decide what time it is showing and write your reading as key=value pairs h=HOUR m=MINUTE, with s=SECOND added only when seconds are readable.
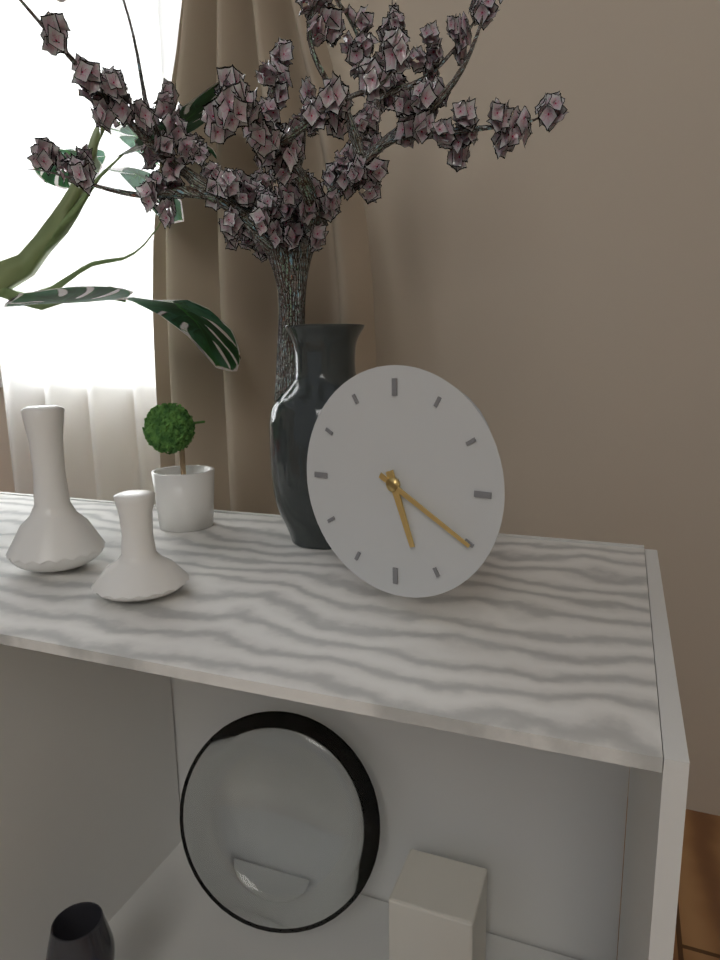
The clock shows h=5 m=20
